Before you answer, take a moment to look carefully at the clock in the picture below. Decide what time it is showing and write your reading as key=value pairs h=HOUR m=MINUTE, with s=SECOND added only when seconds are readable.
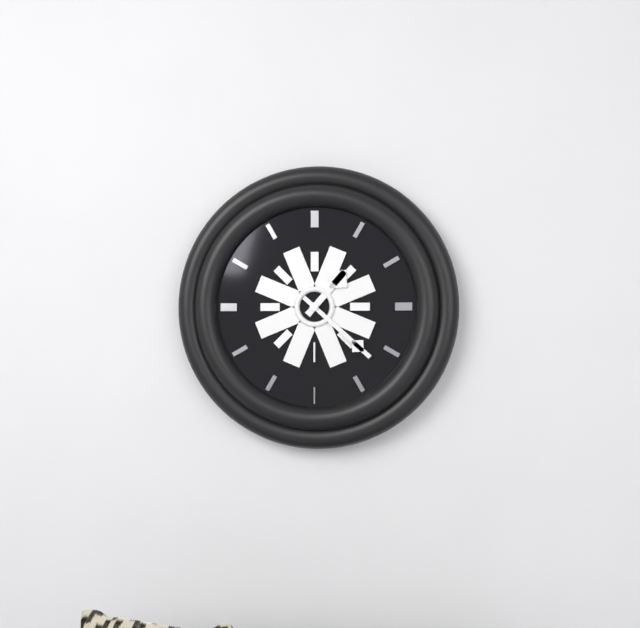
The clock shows h=1 m=22
